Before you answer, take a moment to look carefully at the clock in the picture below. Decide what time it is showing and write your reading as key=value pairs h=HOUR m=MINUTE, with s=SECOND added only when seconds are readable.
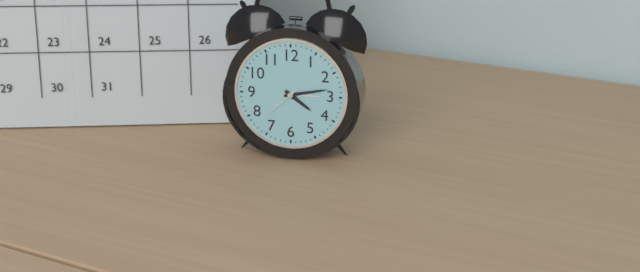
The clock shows h=4 m=13
